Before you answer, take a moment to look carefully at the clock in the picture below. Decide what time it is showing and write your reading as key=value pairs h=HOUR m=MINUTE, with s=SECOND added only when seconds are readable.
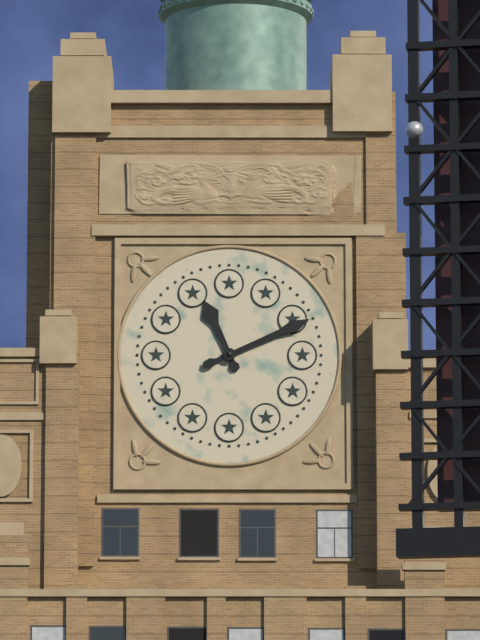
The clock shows h=11 m=11
